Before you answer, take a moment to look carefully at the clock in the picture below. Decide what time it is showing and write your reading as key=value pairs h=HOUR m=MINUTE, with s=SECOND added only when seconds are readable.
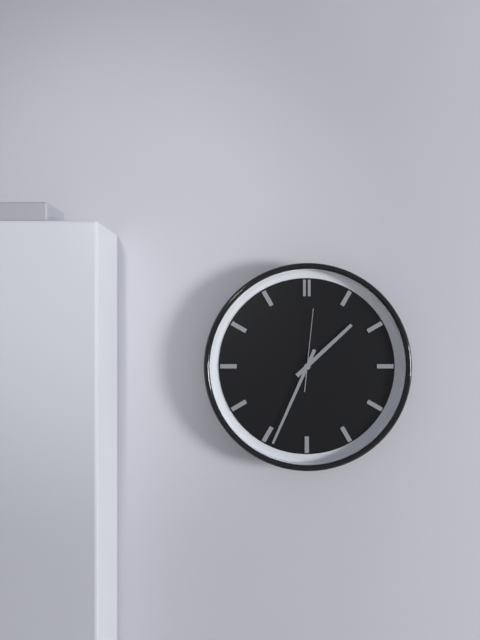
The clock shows h=1 m=34 s=1
